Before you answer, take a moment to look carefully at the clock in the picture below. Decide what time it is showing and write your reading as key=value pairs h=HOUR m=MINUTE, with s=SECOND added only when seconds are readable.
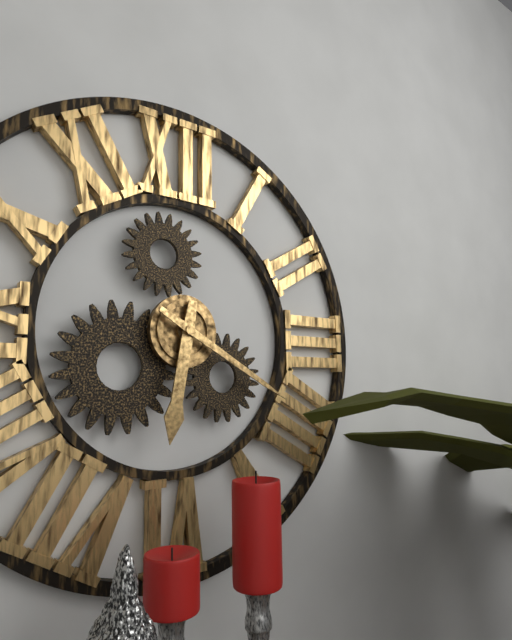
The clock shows h=6 m=20
